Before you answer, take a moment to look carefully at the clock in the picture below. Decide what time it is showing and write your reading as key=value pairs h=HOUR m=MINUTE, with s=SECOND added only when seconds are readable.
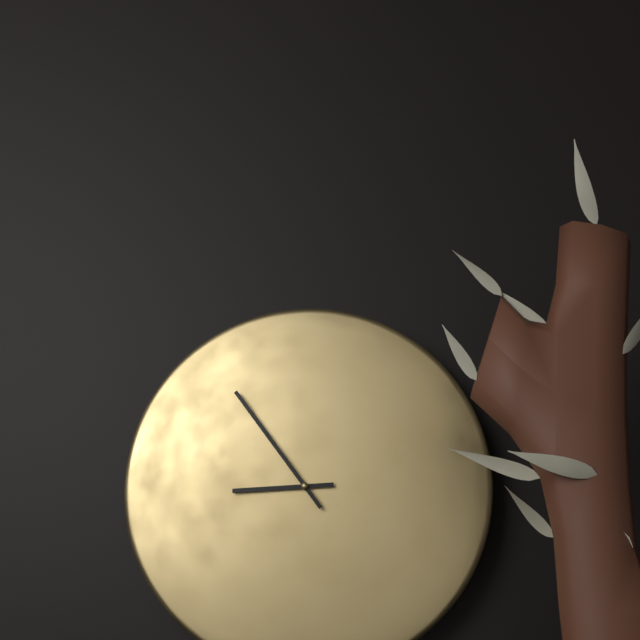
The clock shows h=8 m=54
